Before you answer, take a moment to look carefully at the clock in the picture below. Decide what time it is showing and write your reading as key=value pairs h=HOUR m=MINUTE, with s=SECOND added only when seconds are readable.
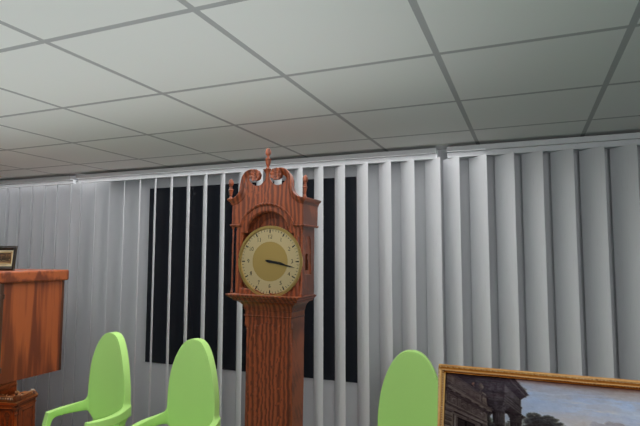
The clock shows h=3 m=17
